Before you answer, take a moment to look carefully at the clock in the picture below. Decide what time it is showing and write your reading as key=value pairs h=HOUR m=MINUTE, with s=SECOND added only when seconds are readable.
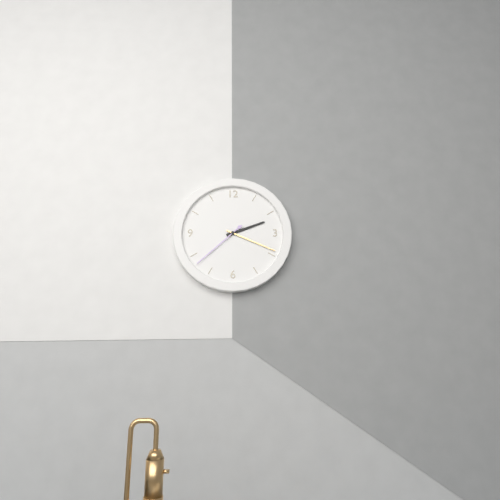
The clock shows h=2 m=19 s=38
